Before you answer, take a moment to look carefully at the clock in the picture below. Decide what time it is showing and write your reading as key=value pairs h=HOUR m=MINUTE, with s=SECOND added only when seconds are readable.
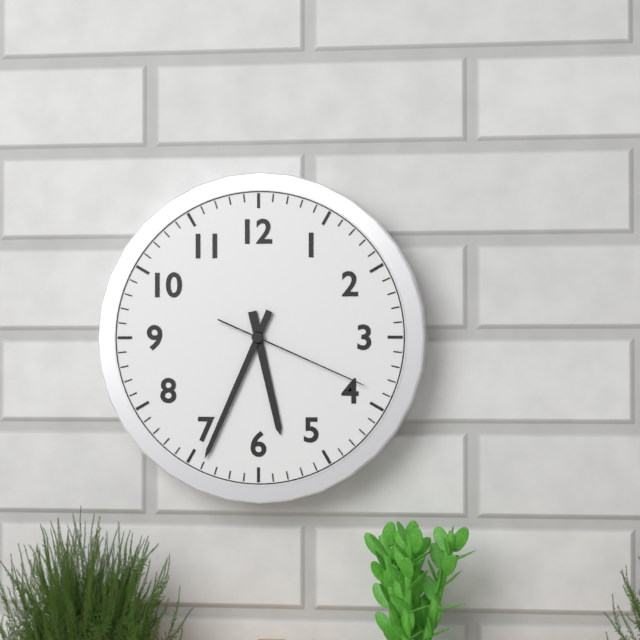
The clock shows h=5 m=34 s=19
